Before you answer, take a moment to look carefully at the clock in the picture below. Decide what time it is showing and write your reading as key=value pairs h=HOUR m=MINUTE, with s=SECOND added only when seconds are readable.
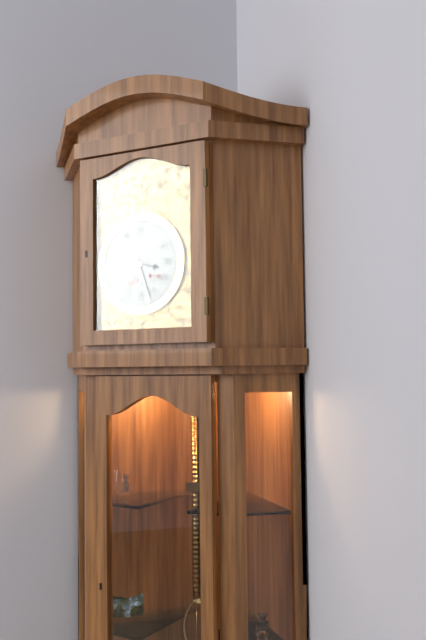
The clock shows h=3 m=27
